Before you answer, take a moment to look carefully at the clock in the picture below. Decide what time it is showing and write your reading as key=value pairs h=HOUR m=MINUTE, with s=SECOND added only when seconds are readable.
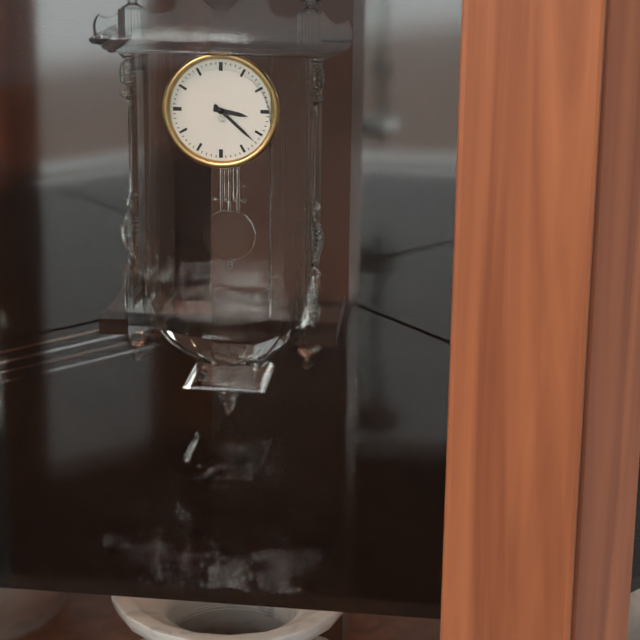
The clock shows h=3 m=22
